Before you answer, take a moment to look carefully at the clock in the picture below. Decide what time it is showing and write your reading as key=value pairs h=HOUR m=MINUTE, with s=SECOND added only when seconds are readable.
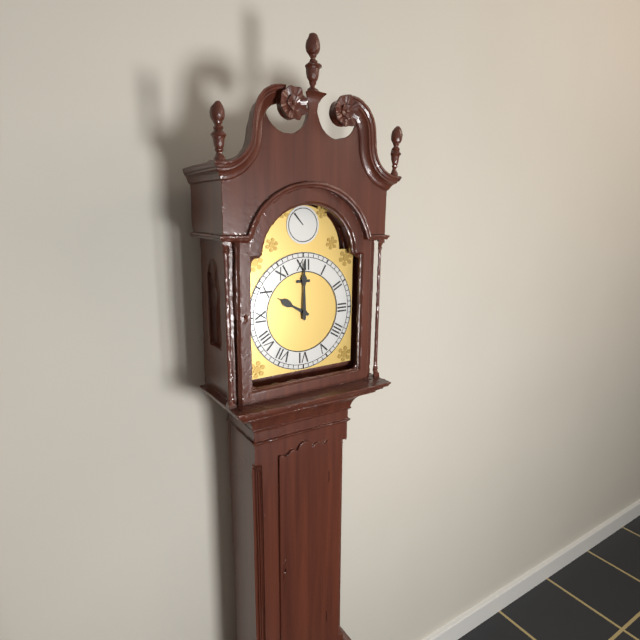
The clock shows h=10 m=0
